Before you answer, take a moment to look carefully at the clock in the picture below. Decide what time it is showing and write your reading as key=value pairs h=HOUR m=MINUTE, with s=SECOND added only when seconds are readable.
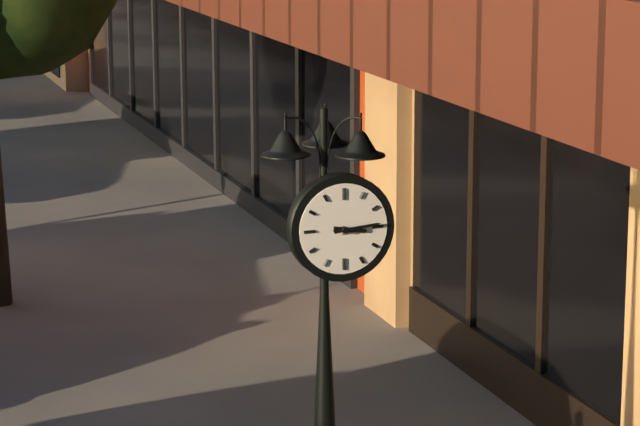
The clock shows h=3 m=14
